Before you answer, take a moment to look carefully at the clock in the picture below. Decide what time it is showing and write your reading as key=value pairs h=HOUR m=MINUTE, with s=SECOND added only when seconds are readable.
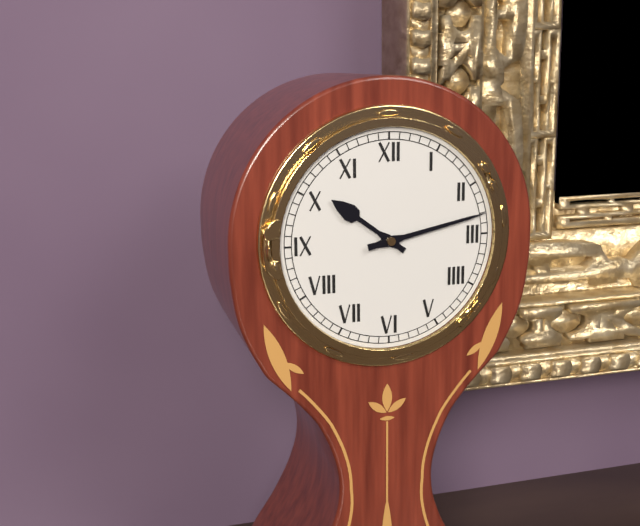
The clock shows h=10 m=13
